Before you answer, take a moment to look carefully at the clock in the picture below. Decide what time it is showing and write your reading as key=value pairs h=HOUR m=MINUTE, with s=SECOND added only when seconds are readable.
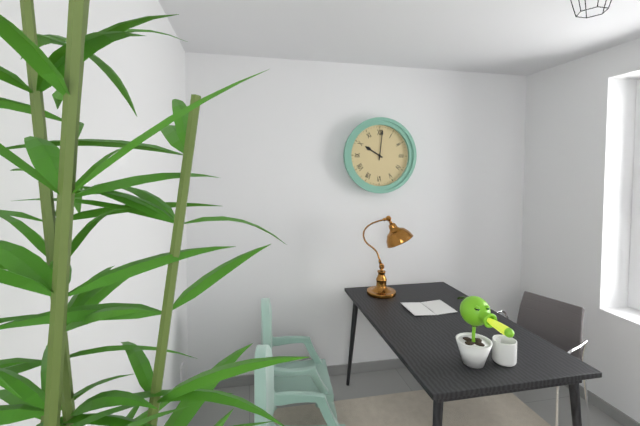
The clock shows h=10 m=1
